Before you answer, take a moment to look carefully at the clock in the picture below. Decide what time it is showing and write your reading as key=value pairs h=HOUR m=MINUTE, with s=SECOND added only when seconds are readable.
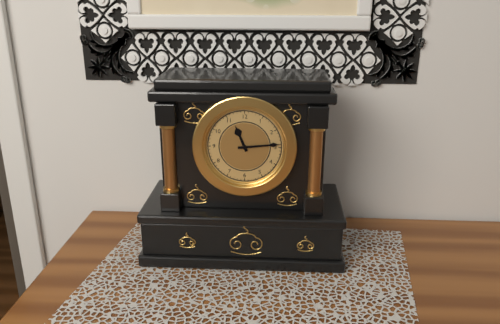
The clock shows h=11 m=14
